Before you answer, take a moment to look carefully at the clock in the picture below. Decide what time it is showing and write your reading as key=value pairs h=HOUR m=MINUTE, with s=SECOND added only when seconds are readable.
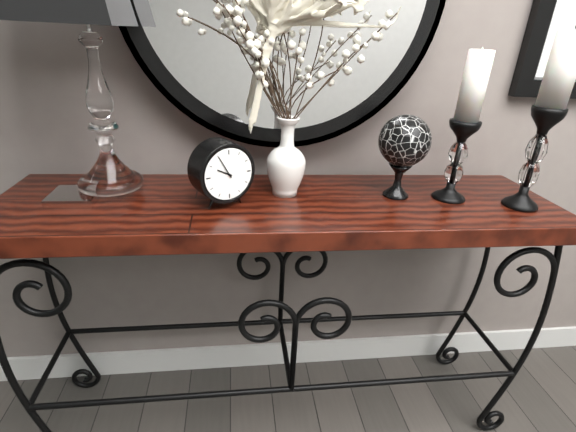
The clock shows h=9 m=55
